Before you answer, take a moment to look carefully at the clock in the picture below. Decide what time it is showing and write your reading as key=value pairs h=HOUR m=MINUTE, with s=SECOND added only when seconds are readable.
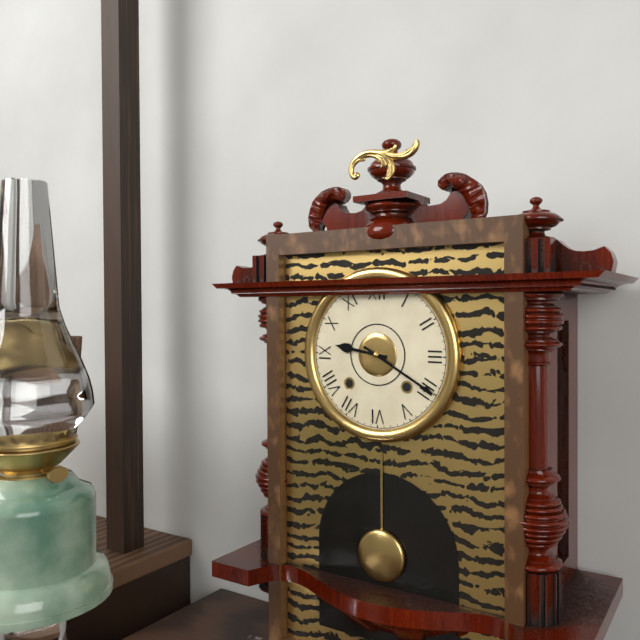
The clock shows h=9 m=20
